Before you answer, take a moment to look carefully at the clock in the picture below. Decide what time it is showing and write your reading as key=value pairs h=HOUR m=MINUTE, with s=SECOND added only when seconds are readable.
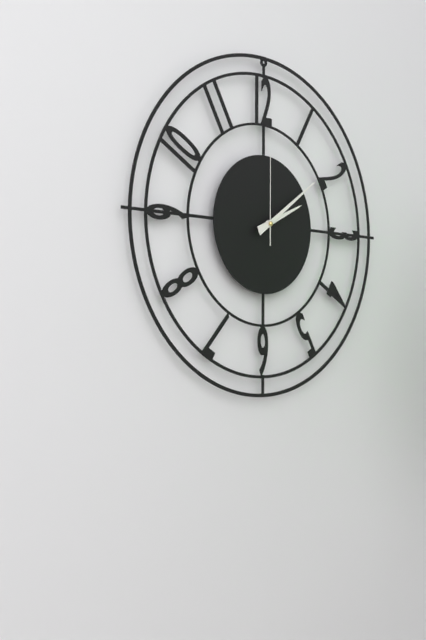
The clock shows h=2 m=9 s=0
